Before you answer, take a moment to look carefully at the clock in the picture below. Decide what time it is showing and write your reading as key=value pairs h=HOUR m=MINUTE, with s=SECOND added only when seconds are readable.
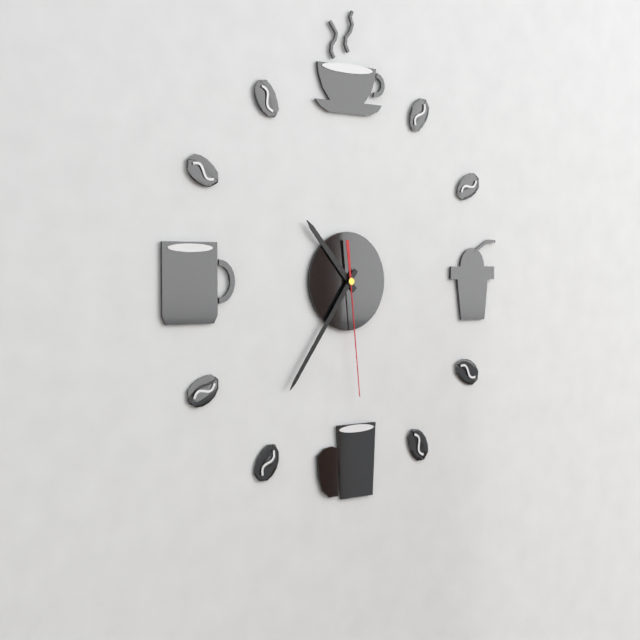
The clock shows h=10 m=36 s=29
